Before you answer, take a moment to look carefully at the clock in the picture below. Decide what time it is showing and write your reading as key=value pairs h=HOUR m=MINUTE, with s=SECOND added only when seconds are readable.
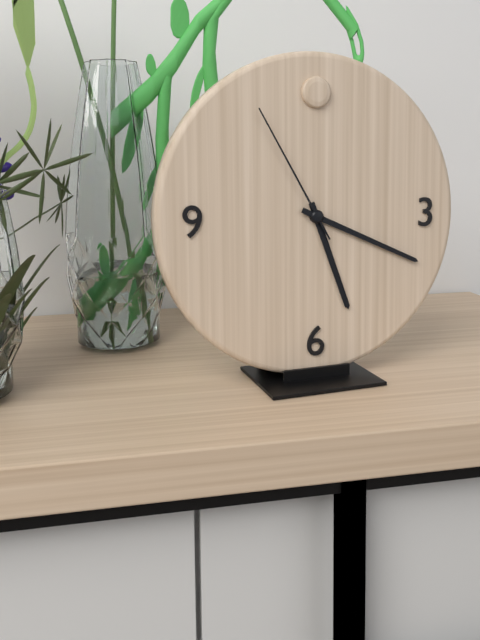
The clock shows h=5 m=19 s=55
